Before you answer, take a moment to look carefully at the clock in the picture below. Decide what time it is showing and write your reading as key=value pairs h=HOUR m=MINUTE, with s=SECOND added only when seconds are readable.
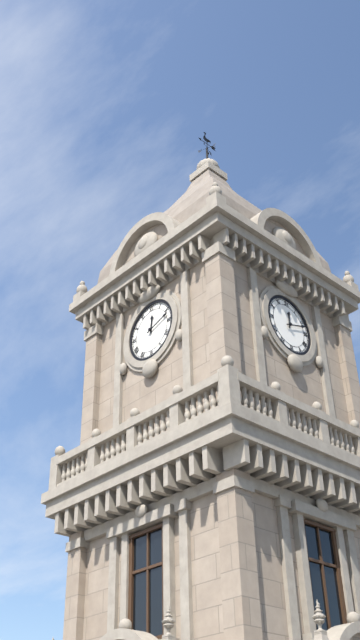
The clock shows h=12 m=12
